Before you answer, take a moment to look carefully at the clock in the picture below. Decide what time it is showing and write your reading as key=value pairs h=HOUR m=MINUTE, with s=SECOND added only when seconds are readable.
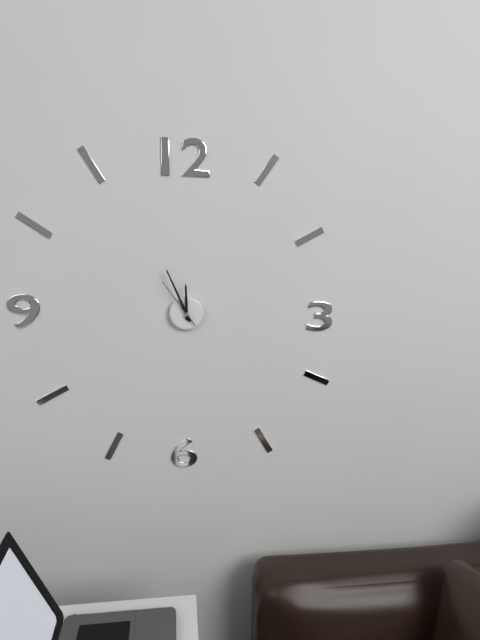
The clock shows h=11 m=56 s=54
